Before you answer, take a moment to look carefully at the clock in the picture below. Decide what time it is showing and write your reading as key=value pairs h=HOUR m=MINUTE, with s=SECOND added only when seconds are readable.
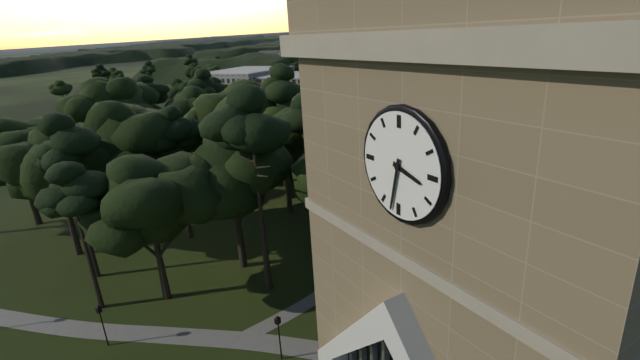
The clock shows h=3 m=32
